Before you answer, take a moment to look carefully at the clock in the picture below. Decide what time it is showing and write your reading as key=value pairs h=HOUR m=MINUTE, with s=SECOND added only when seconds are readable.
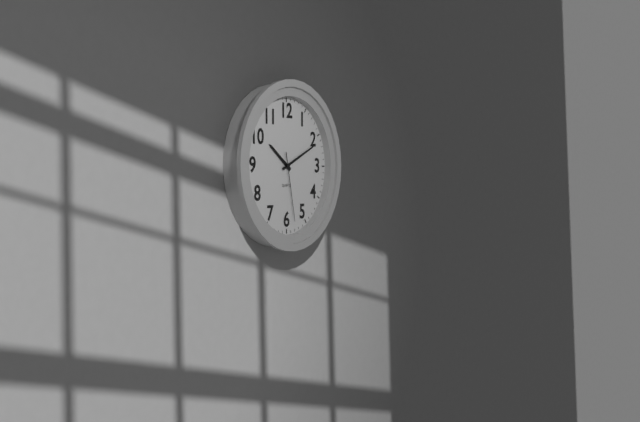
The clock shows h=10 m=11 s=28
